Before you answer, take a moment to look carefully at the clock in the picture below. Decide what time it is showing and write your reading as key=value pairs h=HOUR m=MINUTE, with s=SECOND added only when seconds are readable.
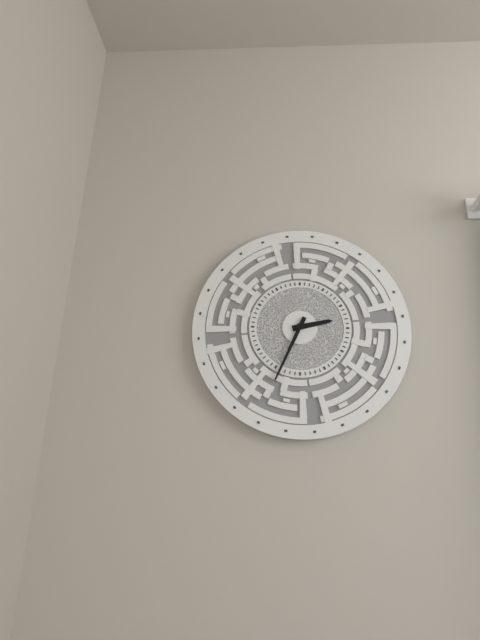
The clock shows h=2 m=34
